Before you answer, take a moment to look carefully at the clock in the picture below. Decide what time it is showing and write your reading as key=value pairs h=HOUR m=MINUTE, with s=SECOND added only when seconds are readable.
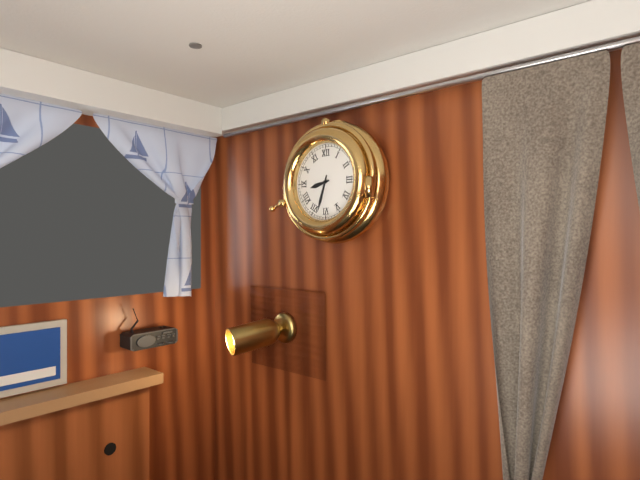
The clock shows h=8 m=33
